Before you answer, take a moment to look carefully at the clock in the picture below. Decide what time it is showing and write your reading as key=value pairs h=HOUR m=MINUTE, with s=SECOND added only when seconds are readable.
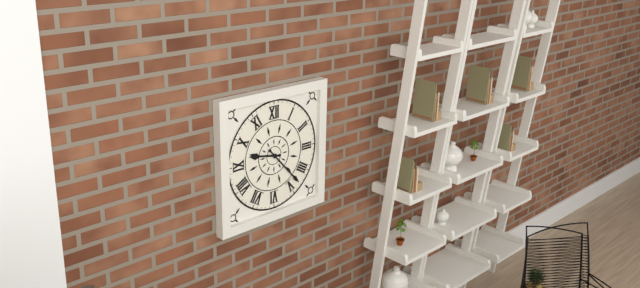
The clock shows h=9 m=23
